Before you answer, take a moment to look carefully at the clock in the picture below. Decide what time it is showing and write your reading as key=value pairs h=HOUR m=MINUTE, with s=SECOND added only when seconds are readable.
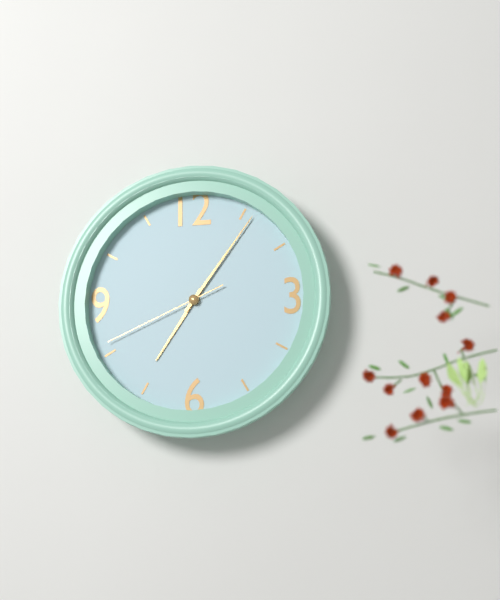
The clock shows h=7 m=6 s=41
